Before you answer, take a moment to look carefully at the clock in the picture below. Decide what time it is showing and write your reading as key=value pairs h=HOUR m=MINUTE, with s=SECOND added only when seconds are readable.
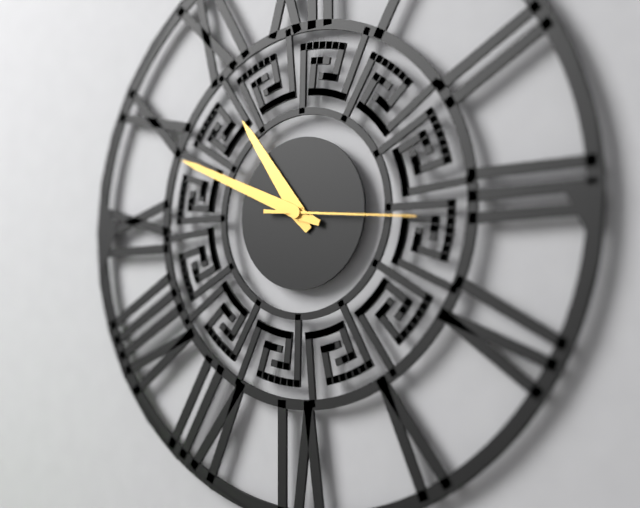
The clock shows h=10 m=49 s=16
